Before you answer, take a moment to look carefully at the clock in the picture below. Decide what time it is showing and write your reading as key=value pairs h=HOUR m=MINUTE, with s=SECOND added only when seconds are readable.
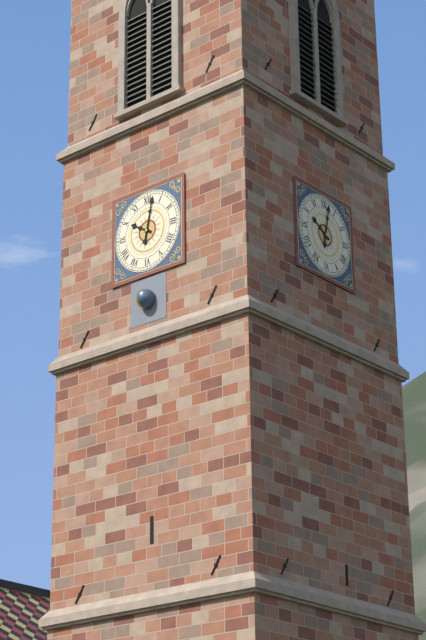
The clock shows h=10 m=2
